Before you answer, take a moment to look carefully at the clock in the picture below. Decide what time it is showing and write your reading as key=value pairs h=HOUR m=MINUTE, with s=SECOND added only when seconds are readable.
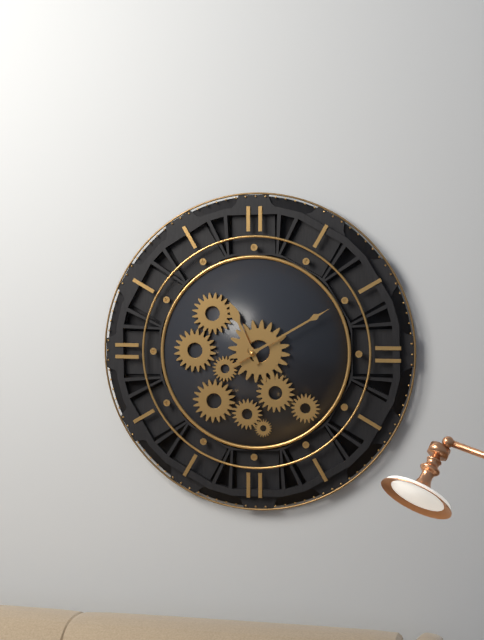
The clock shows h=11 m=10
